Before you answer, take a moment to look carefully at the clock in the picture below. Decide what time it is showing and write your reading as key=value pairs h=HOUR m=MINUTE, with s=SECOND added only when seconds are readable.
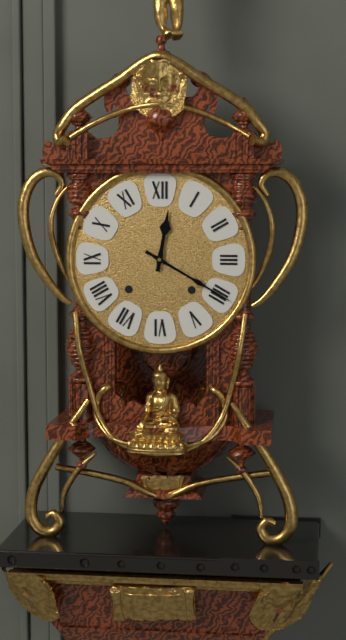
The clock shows h=12 m=20
